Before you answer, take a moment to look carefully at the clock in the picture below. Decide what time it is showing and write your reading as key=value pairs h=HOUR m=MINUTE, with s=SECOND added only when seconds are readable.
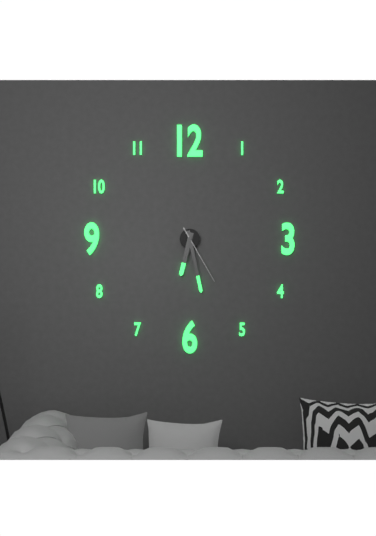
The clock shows h=6 m=28 s=25
